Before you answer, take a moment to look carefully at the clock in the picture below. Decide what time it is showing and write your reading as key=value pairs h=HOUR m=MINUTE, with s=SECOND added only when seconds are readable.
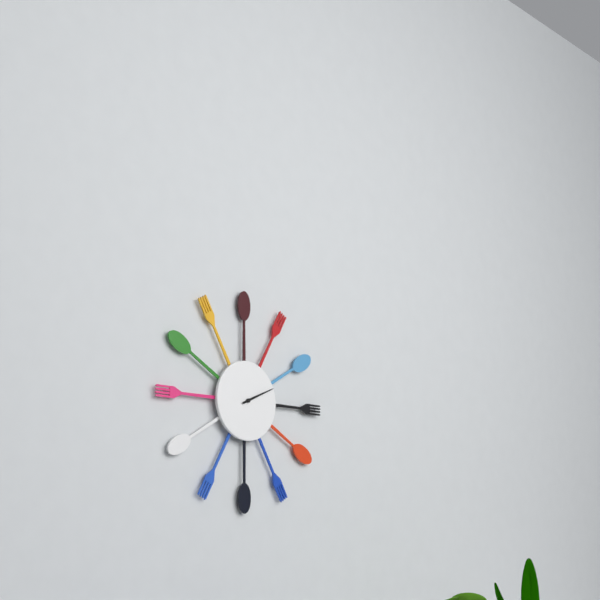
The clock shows h=2 m=11
